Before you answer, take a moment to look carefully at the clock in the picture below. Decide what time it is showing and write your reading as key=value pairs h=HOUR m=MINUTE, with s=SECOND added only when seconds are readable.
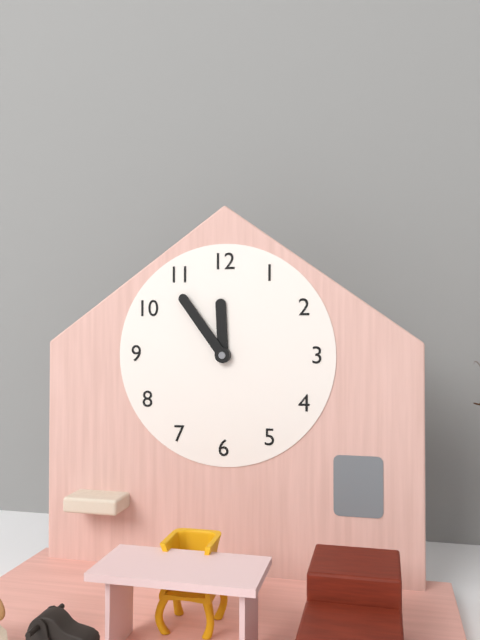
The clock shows h=11 m=54
